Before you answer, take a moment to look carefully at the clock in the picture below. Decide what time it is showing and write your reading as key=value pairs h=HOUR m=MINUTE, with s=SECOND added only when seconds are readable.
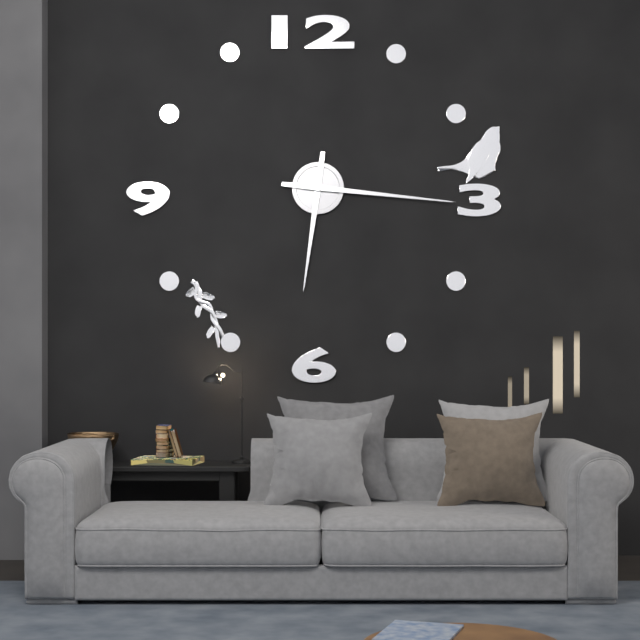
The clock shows h=6 m=16
